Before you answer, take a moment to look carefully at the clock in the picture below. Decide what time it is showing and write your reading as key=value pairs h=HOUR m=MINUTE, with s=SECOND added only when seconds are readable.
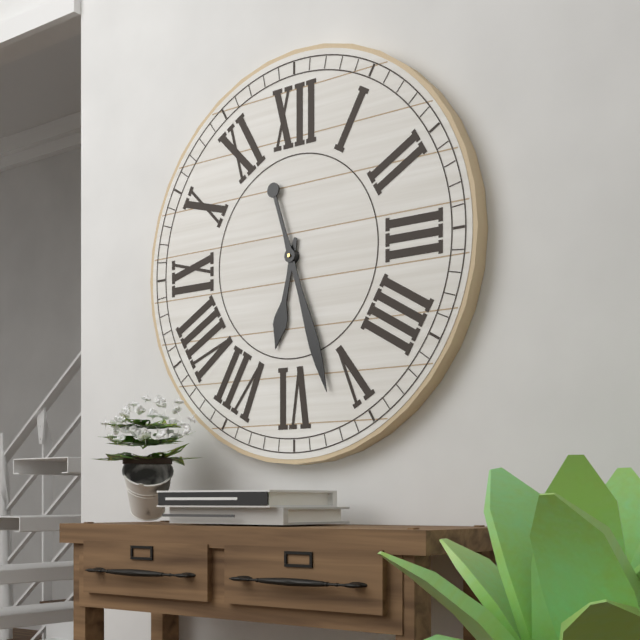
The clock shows h=6 m=27
